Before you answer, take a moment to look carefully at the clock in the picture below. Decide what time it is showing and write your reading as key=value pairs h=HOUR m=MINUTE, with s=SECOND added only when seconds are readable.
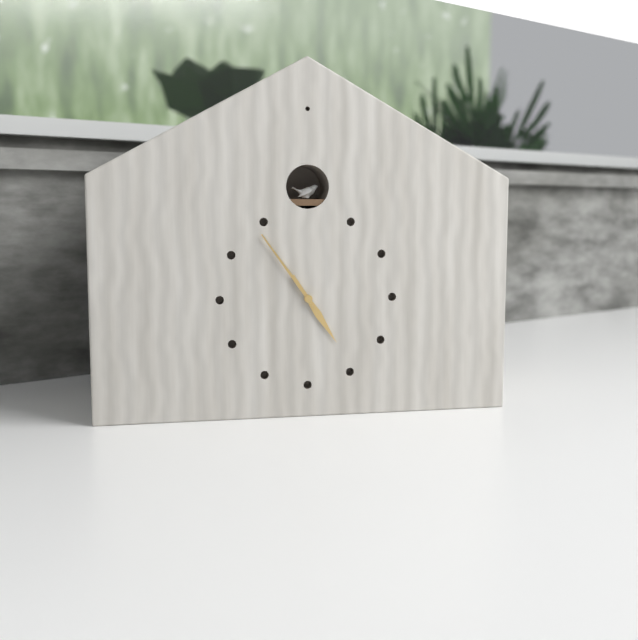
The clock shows h=4 m=54
